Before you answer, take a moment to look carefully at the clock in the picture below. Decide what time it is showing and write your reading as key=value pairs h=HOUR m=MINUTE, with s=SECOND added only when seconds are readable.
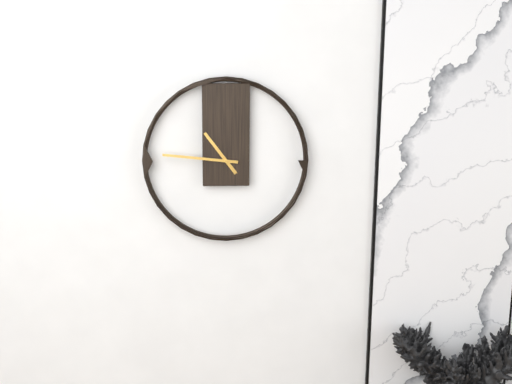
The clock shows h=10 m=46
